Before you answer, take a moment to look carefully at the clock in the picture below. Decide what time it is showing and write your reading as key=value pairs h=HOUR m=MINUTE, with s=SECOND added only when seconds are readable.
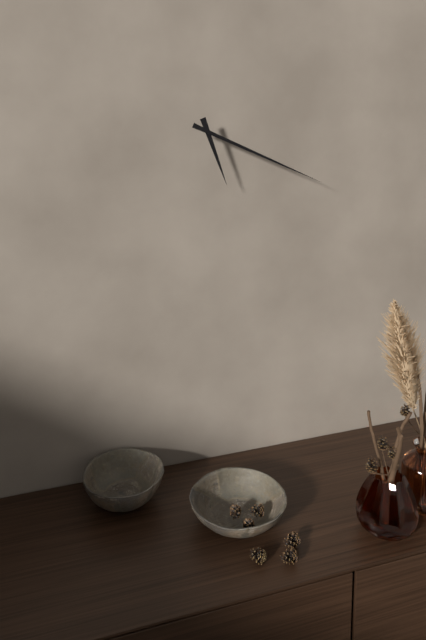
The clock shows h=5 m=19
